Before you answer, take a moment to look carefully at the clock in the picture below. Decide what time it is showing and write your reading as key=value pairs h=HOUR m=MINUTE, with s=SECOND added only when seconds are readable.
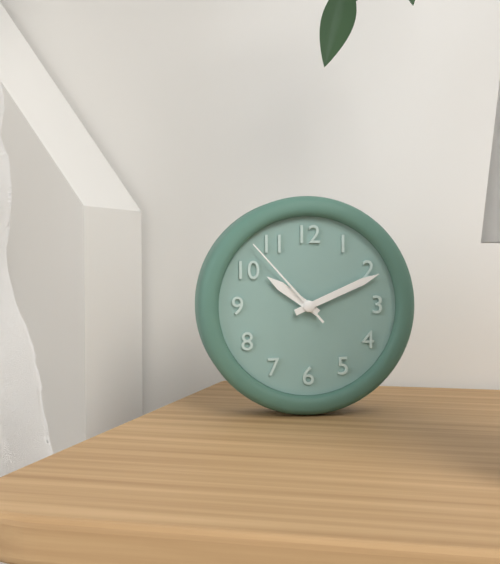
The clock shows h=10 m=11 s=53
